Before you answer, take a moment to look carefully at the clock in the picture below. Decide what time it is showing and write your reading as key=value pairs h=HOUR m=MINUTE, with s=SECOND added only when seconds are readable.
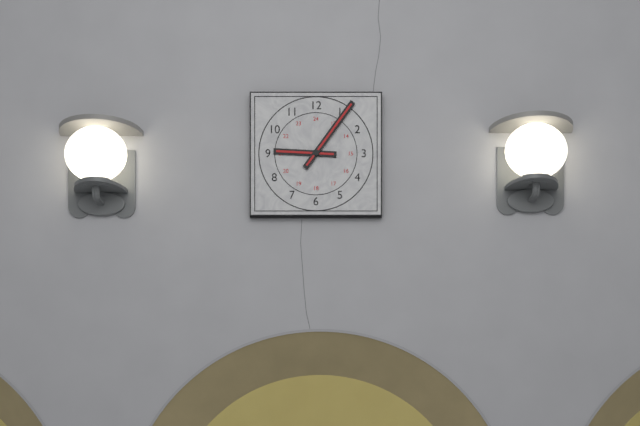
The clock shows h=9 m=6
